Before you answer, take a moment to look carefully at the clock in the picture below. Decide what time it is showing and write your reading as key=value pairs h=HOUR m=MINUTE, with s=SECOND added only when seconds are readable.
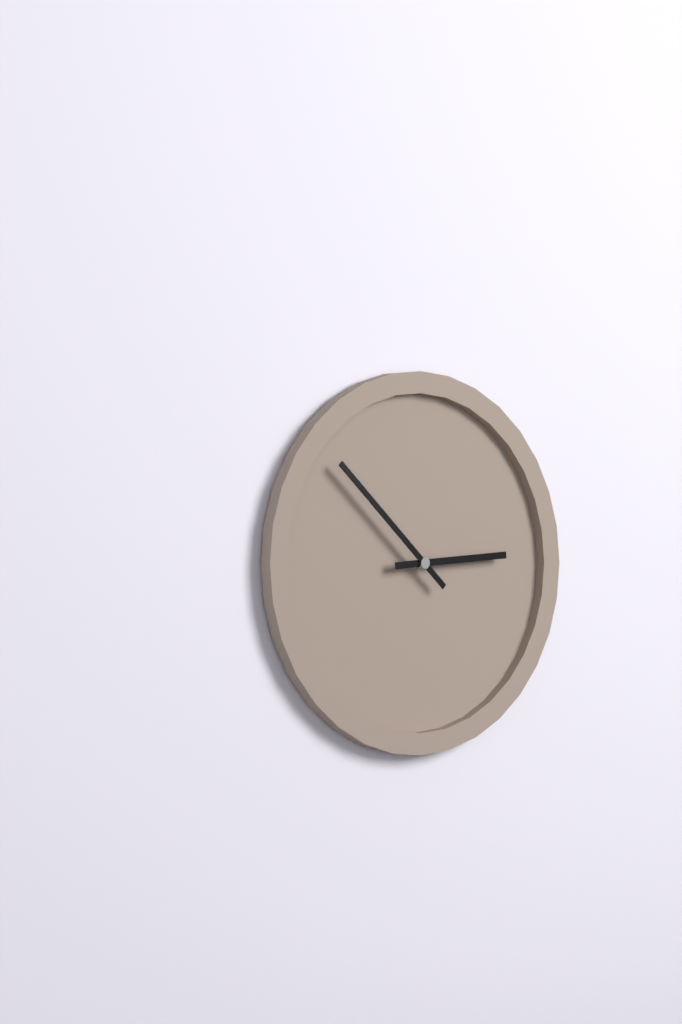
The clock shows h=2 m=52
